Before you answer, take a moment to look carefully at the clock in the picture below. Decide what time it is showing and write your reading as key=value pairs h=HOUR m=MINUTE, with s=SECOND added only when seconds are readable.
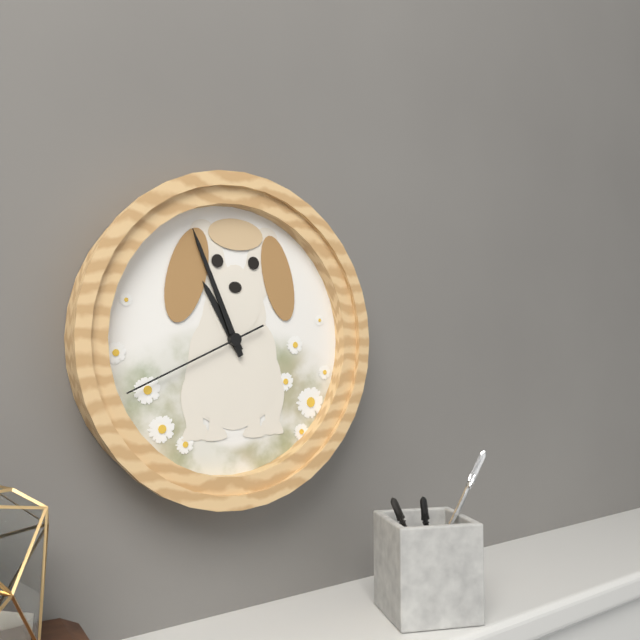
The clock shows h=10 m=56 s=41
